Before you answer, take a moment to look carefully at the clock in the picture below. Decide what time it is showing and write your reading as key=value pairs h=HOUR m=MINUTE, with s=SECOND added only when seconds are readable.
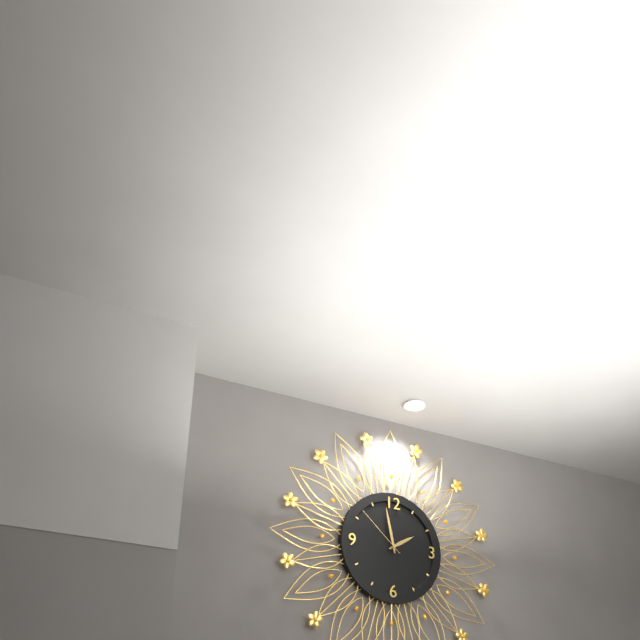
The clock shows h=1 m=58 s=52
